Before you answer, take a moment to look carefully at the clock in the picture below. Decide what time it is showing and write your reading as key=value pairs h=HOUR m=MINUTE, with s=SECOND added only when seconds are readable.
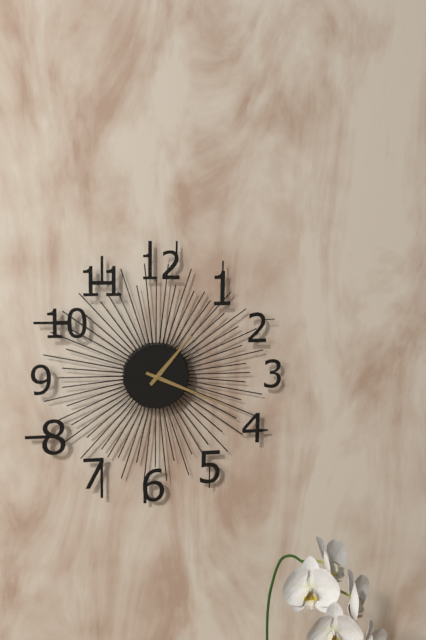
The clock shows h=1 m=19
